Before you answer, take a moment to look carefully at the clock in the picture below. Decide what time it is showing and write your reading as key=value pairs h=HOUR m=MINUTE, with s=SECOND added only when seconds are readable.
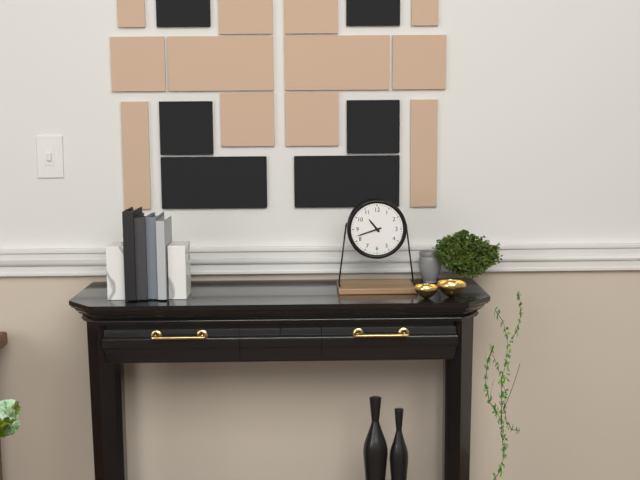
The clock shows h=10 m=42
